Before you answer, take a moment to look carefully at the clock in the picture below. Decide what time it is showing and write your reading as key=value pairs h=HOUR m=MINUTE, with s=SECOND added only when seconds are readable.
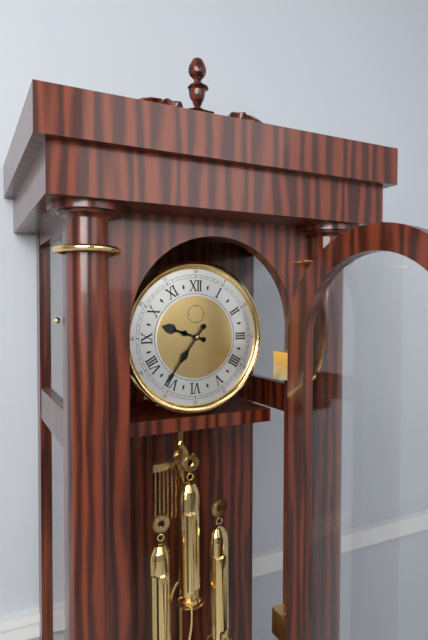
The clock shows h=9 m=36
